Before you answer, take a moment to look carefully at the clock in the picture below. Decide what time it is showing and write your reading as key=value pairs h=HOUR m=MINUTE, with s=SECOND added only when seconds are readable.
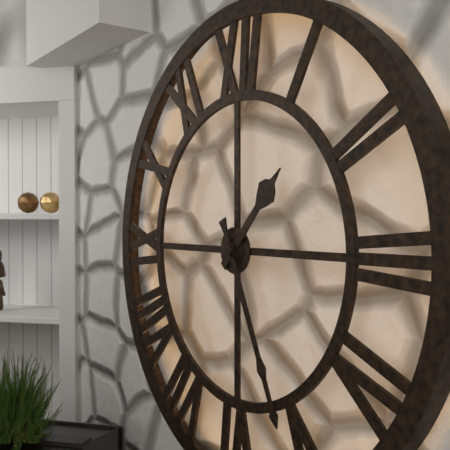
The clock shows h=1 m=26
